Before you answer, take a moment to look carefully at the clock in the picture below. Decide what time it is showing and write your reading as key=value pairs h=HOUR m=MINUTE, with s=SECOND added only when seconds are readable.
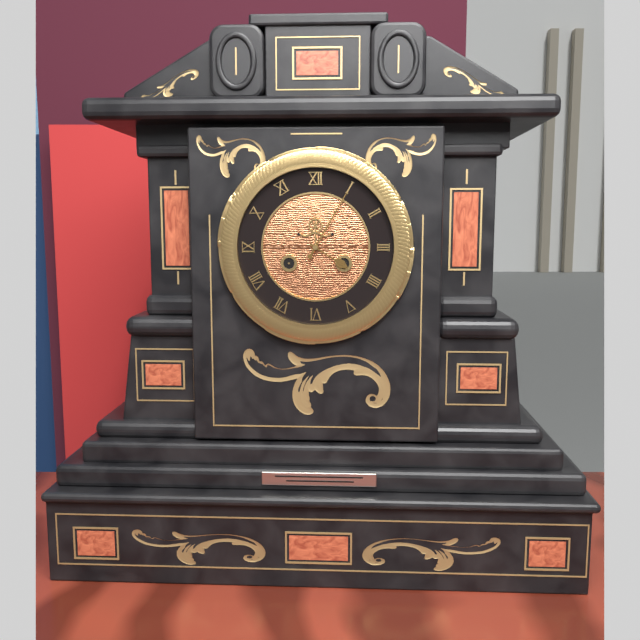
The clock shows h=4 m=5
